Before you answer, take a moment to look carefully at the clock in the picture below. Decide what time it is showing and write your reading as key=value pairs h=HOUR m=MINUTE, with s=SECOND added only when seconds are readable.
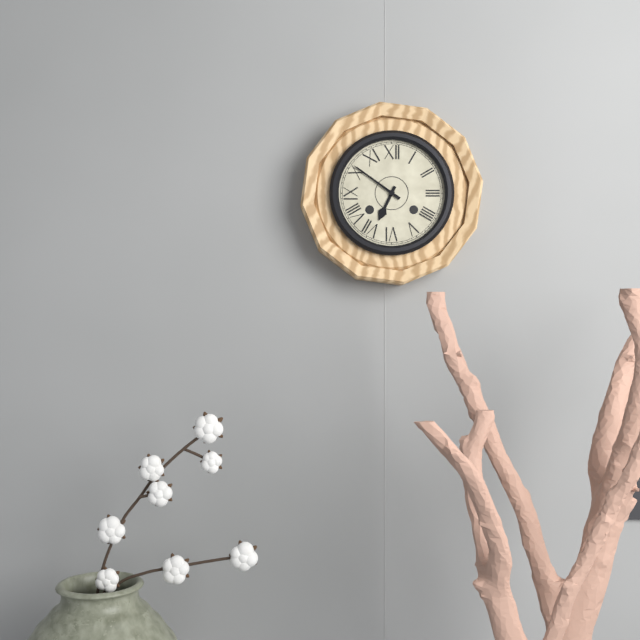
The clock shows h=6 m=51
